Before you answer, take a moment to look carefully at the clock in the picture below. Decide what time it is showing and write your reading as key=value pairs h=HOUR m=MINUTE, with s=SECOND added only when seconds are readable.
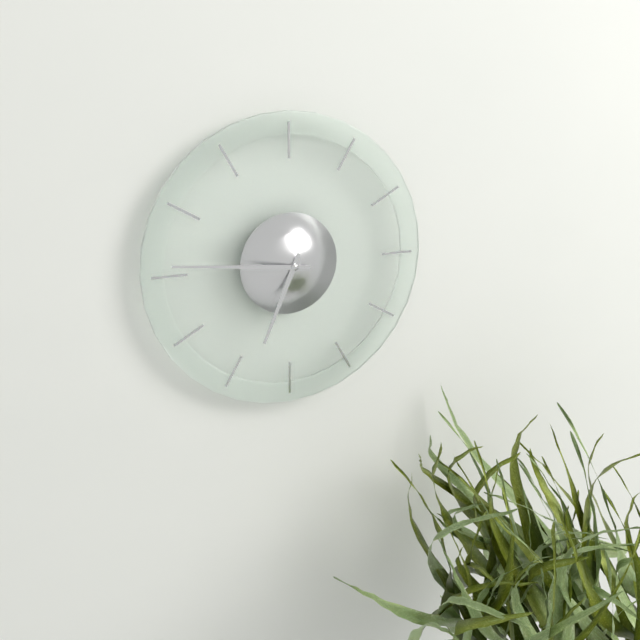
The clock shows h=6 m=46
